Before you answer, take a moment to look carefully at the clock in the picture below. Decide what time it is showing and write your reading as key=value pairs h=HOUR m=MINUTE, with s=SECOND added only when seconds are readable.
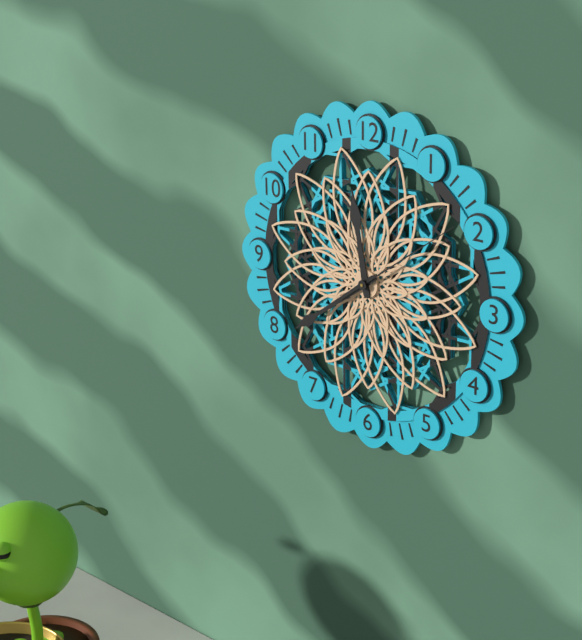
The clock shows h=11 m=39 s=9
